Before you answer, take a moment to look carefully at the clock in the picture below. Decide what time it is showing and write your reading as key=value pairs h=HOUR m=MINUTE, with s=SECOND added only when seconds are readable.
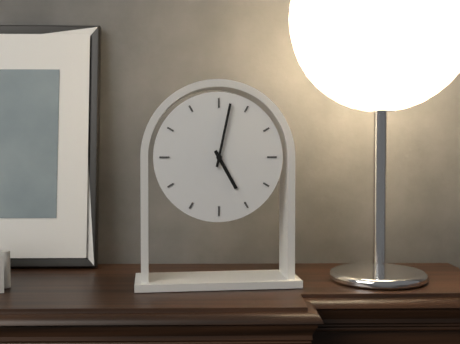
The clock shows h=5 m=2
